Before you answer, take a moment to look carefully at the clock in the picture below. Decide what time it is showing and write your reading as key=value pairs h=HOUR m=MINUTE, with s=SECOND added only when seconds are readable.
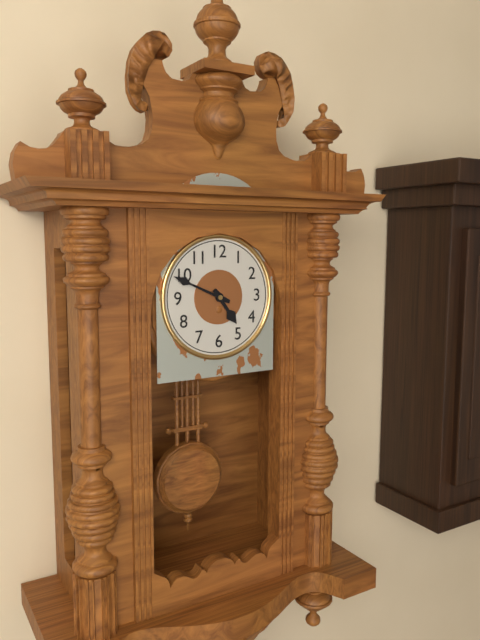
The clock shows h=4 m=49
